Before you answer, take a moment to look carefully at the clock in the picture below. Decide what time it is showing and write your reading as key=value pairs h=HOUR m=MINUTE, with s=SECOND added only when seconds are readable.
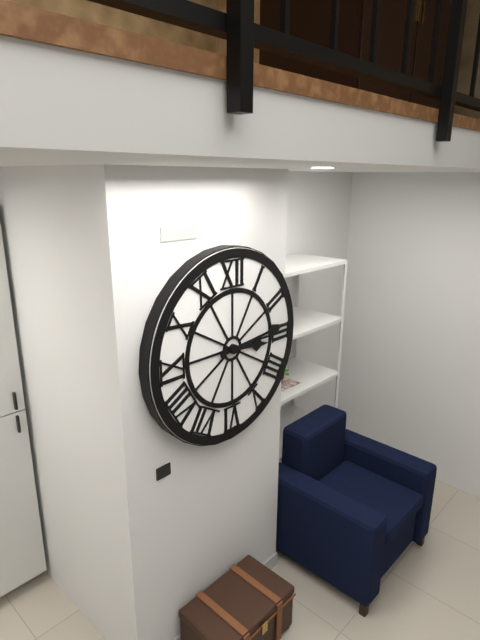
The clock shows h=3 m=14
